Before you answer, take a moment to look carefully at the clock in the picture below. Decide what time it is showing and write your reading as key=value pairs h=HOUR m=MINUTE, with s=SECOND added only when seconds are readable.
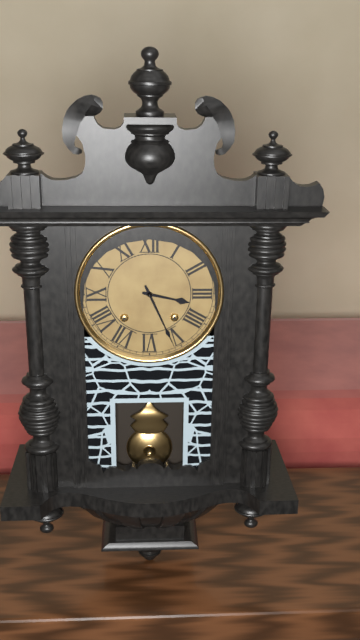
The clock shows h=3 m=26
